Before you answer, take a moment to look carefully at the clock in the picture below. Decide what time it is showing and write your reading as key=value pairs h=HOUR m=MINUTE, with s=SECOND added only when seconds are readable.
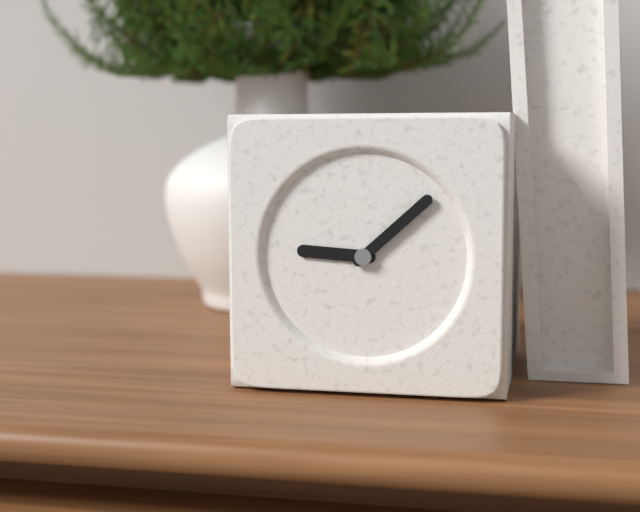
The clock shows h=9 m=8
